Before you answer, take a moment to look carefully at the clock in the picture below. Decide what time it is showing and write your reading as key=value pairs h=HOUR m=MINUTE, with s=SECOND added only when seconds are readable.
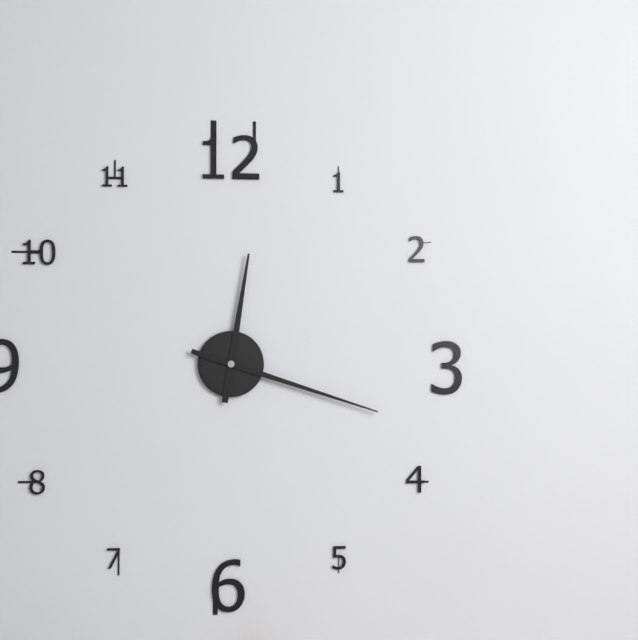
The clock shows h=12 m=18
